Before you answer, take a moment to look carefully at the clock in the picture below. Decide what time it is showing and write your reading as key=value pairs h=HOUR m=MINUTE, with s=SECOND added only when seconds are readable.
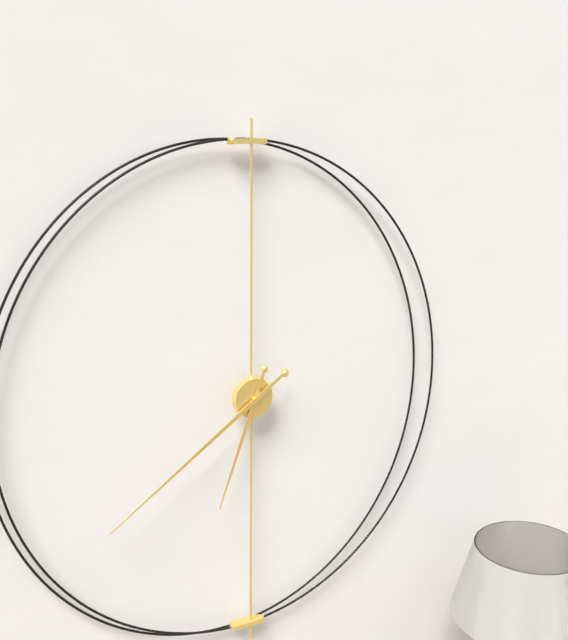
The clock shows h=6 m=39
